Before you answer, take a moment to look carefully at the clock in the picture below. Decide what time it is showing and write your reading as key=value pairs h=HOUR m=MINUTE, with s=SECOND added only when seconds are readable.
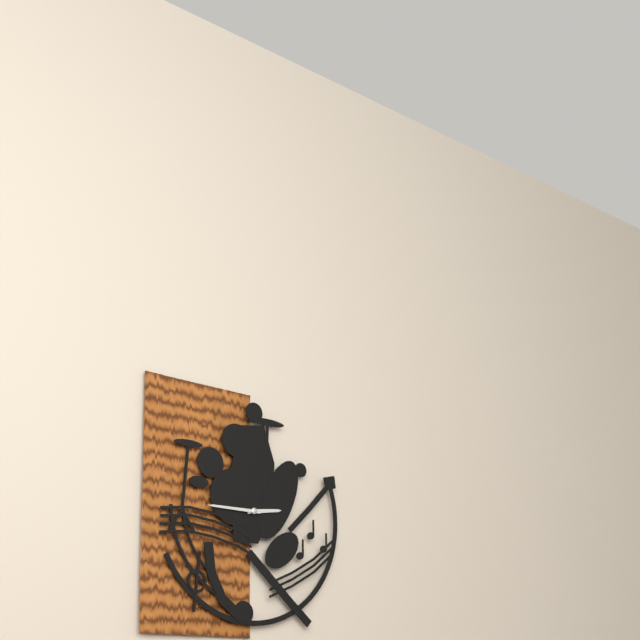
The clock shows h=2 m=45
